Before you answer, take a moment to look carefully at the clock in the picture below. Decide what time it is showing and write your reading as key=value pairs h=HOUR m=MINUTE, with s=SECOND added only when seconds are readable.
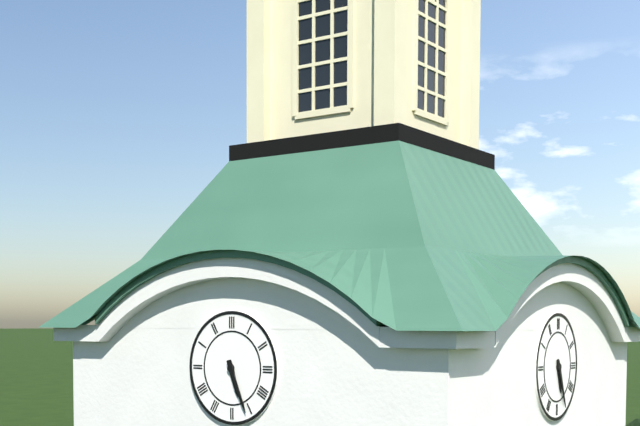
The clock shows h=5 m=26
